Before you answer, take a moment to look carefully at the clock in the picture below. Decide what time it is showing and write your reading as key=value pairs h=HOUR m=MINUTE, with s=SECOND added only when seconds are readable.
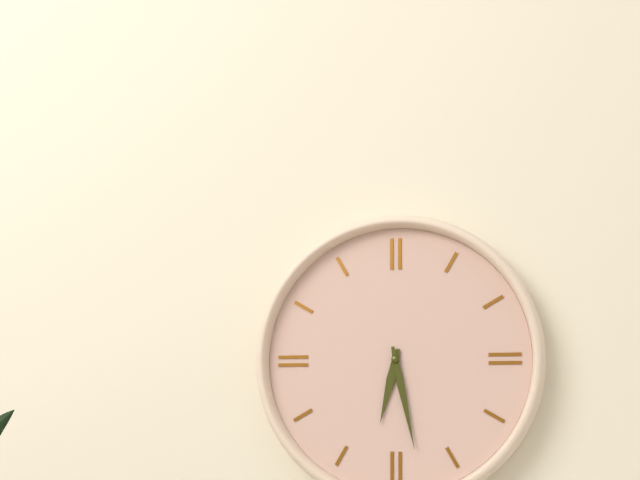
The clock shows h=6 m=28
